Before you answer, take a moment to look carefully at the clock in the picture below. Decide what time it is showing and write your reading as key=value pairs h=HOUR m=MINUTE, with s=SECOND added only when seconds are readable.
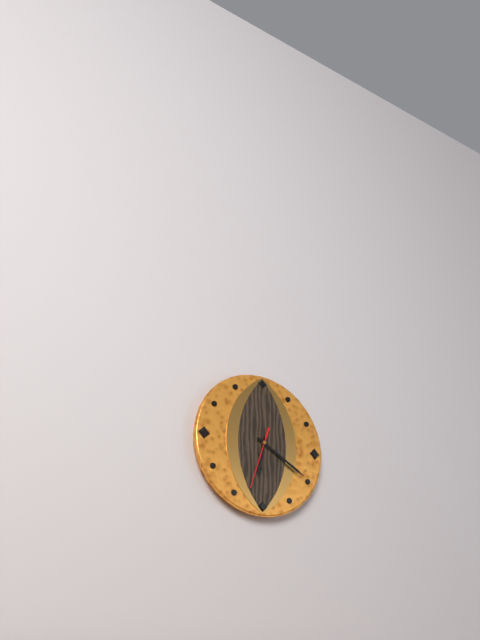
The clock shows h=6 m=20 s=33
